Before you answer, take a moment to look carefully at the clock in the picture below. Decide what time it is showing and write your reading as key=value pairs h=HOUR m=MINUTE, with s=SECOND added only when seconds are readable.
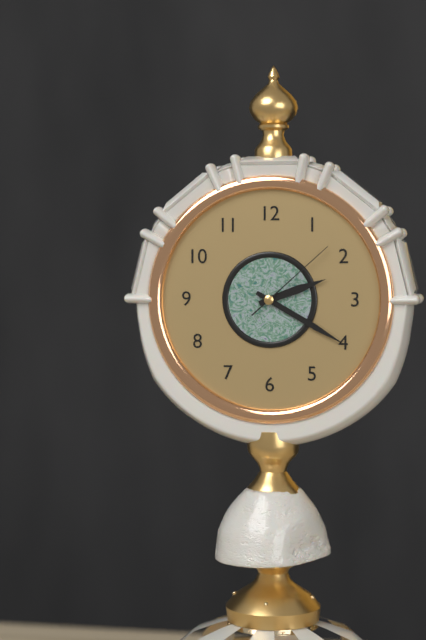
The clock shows h=2 m=20 s=8
